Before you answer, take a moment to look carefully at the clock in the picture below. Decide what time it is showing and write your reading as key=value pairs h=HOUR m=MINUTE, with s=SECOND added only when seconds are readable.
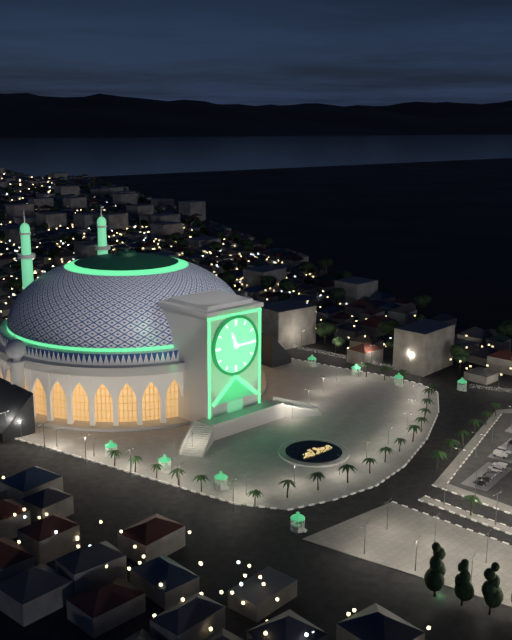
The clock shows h=11 m=15
